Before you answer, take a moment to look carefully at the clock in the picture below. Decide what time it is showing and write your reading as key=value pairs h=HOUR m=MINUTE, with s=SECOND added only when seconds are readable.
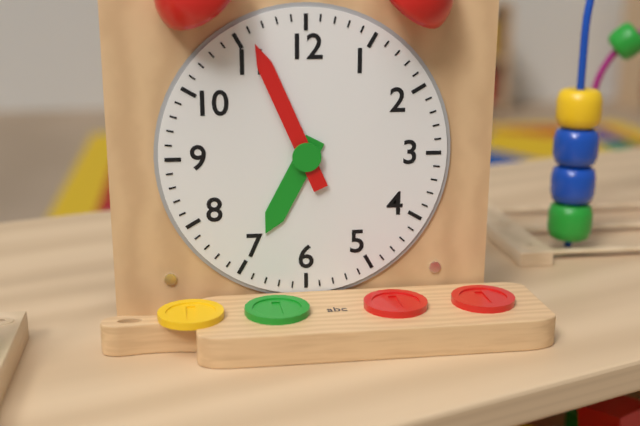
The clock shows h=6 m=56
